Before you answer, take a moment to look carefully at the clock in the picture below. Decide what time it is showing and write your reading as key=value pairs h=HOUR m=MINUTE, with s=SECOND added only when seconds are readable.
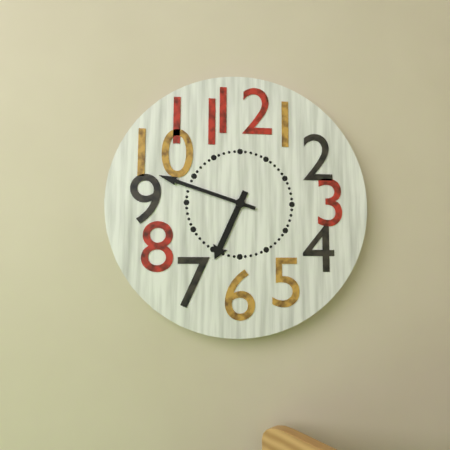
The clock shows h=6 m=48
